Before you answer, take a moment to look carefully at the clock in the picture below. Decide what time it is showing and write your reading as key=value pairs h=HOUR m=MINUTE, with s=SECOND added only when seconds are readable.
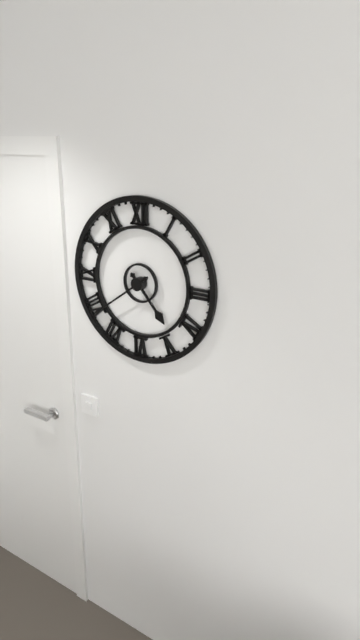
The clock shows h=4 m=39
